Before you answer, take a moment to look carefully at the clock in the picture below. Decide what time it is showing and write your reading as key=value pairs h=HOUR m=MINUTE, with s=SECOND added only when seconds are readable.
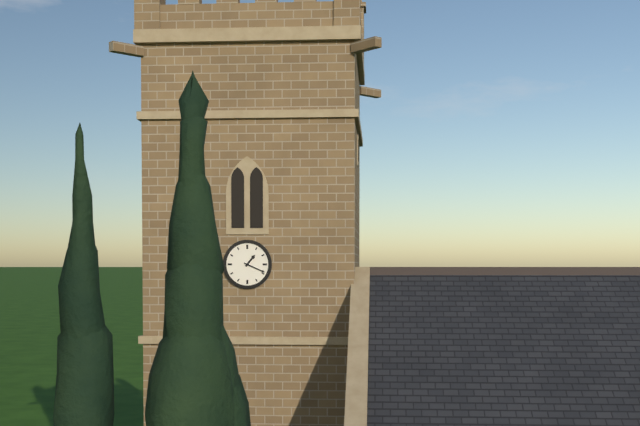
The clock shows h=1 m=19
